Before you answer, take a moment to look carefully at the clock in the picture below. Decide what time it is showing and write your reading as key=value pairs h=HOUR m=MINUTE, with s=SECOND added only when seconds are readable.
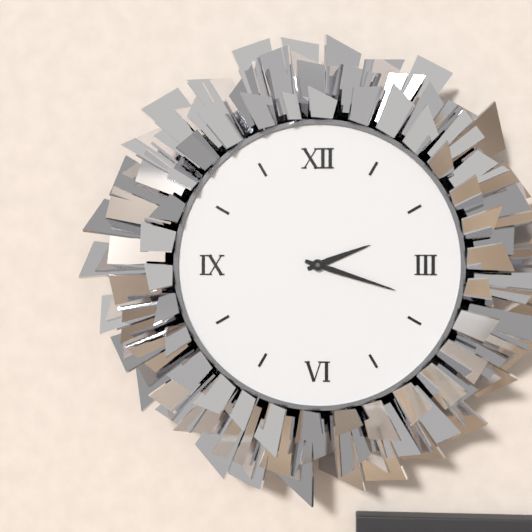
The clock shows h=2 m=18
